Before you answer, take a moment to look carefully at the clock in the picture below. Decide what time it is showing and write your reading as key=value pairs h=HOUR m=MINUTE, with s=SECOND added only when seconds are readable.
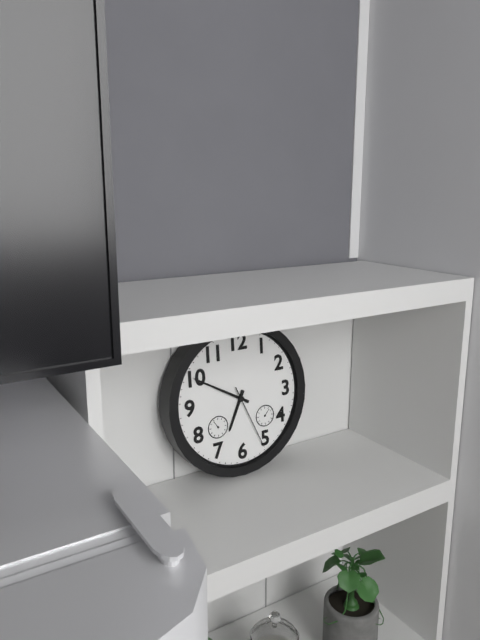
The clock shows h=6 m=50 s=26
